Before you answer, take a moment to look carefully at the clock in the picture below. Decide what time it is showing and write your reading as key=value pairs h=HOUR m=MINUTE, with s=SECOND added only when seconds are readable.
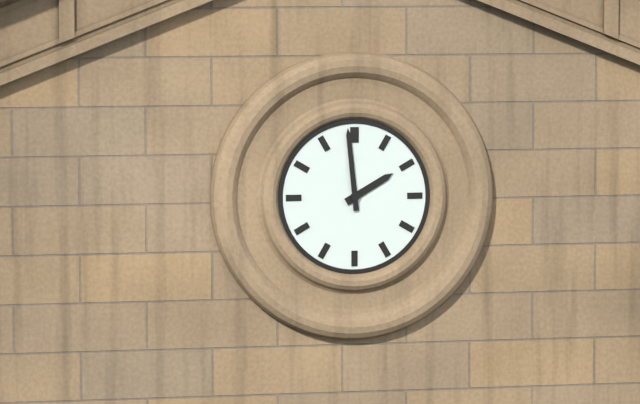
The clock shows h=1 m=59
